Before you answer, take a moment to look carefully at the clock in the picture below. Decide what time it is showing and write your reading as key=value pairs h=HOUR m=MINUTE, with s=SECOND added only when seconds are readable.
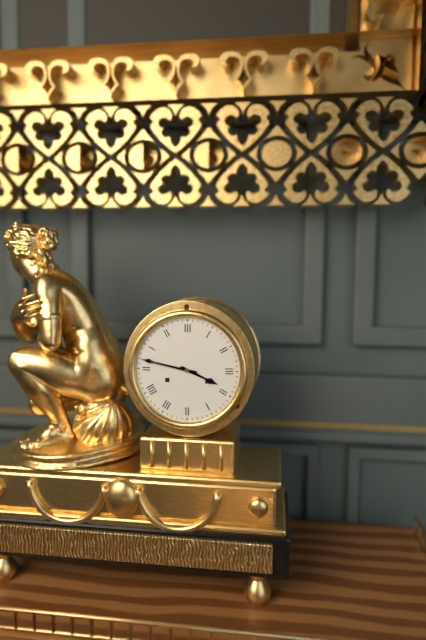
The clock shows h=3 m=47
